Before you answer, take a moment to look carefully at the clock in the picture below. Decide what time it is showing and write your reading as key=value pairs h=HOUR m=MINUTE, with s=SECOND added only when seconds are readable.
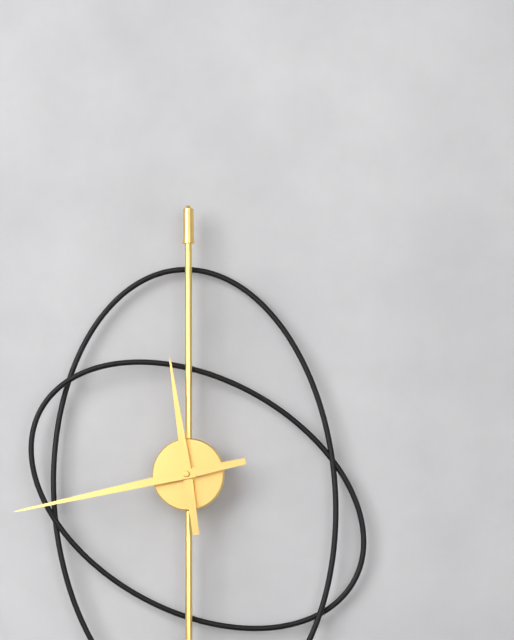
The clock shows h=11 m=43
